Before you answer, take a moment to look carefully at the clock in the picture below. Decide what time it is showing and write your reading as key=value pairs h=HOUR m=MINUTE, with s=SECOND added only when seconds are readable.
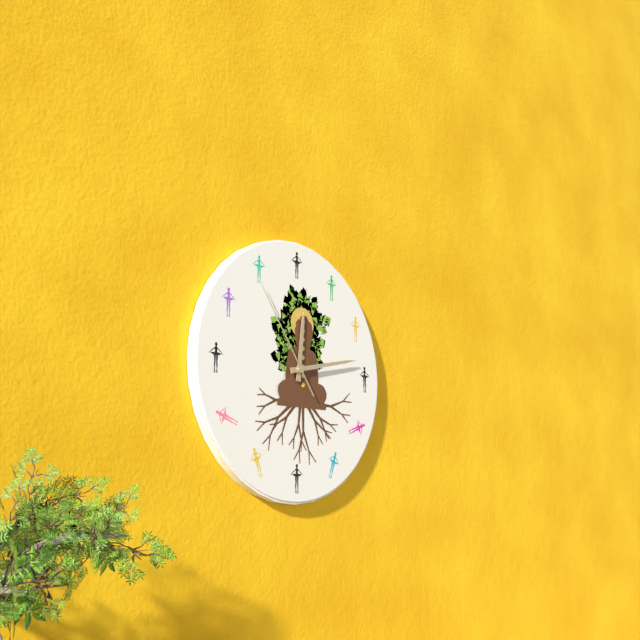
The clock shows h=12 m=13 s=54
